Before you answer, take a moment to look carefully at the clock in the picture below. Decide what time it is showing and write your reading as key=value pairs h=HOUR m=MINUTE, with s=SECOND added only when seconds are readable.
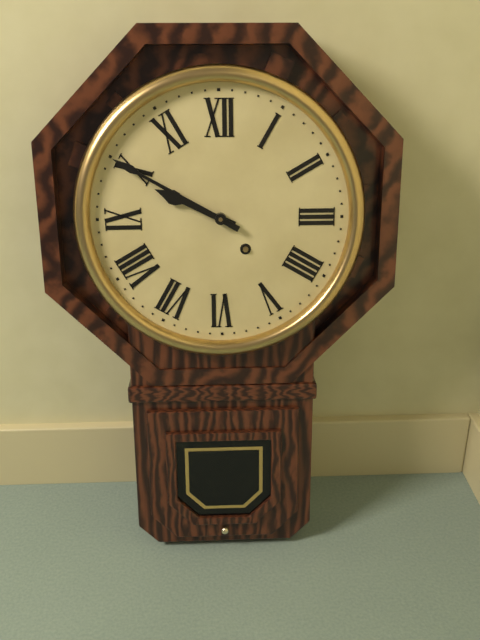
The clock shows h=9 m=50
